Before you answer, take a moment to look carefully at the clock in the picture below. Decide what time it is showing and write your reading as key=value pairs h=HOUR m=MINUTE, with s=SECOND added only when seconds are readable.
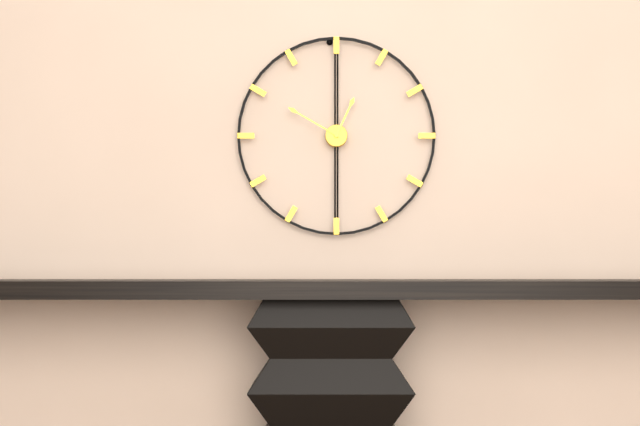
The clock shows h=12 m=50
